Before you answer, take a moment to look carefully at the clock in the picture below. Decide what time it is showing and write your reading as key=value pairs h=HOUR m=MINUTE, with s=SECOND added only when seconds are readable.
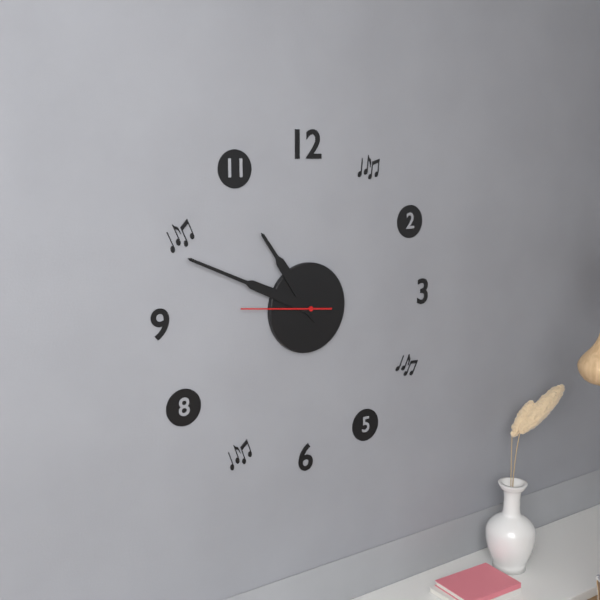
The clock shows h=10 m=49 s=46
